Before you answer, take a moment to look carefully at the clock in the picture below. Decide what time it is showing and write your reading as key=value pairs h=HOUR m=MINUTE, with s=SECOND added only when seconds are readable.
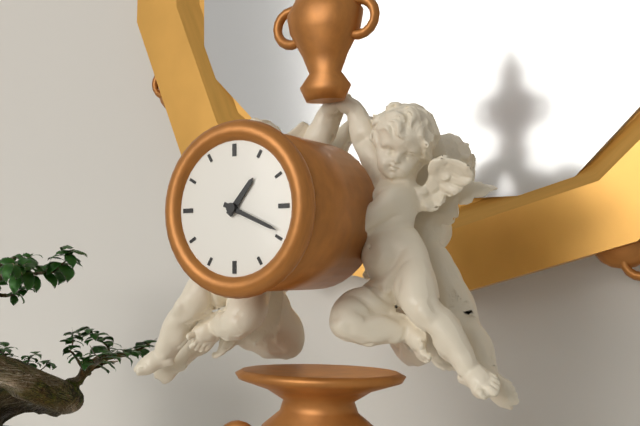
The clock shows h=1 m=19
